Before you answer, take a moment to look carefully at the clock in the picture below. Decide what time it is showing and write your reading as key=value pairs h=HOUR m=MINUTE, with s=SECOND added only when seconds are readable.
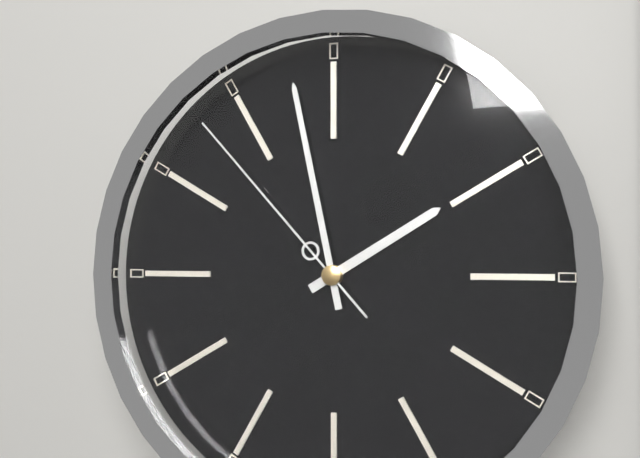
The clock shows h=1 m=58 s=53
